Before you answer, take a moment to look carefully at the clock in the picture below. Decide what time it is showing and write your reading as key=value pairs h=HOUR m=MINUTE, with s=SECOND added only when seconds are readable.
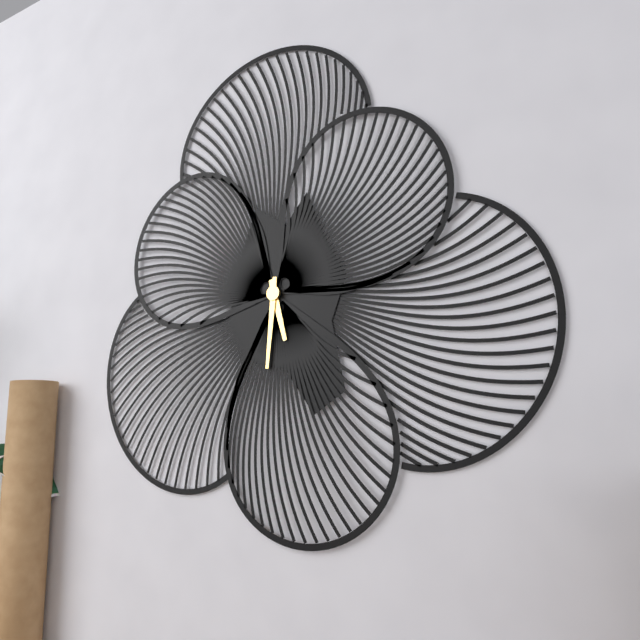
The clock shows h=5 m=31
